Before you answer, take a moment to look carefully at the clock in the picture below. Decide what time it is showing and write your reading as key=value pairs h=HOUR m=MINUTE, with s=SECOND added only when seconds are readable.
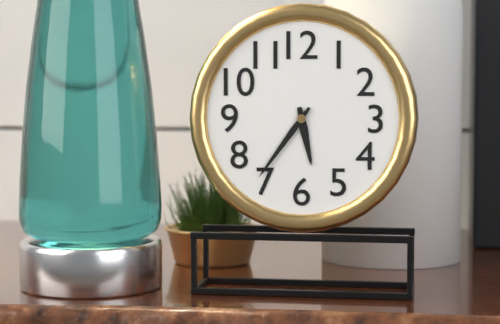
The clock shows h=5 m=36
